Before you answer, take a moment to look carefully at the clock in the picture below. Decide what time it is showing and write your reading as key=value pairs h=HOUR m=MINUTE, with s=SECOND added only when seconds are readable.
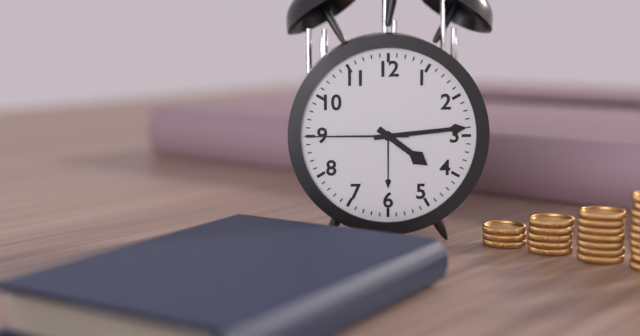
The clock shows h=4 m=14 s=45
